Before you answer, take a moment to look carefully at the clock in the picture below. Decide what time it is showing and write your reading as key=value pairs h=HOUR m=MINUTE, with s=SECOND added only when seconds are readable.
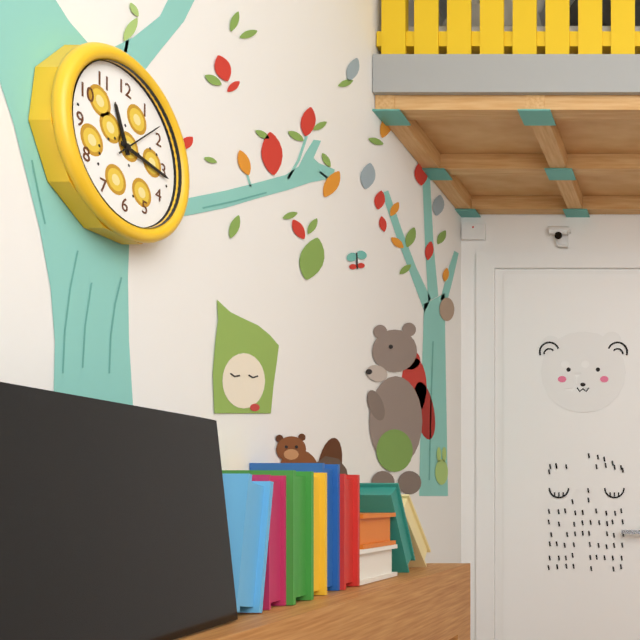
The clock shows h=11 m=16
